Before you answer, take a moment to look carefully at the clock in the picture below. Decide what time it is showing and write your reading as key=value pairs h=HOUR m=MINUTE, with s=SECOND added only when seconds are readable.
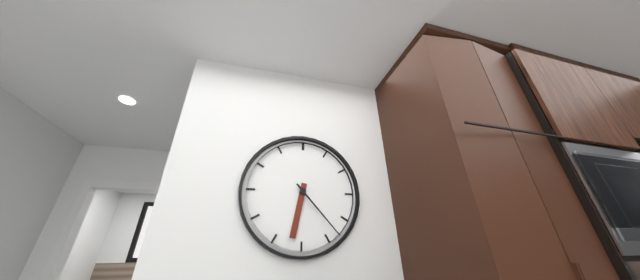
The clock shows h=6 m=23
